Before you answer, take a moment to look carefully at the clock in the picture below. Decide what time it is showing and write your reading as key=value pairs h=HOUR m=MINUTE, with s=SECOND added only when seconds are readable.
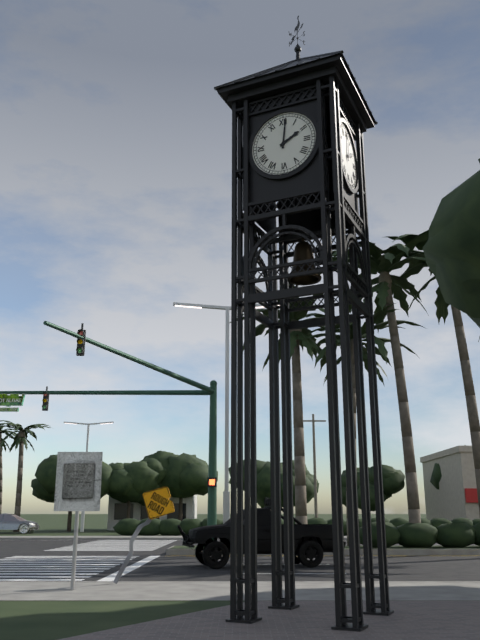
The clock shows h=2 m=1
